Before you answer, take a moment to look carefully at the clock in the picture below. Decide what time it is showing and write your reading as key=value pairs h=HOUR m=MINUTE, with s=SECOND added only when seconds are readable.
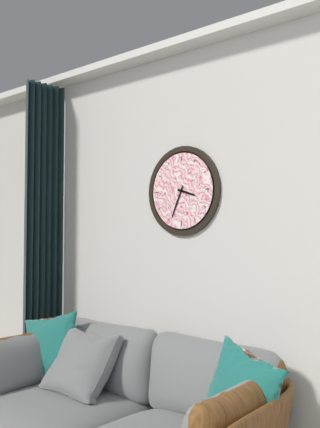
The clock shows h=3 m=34
